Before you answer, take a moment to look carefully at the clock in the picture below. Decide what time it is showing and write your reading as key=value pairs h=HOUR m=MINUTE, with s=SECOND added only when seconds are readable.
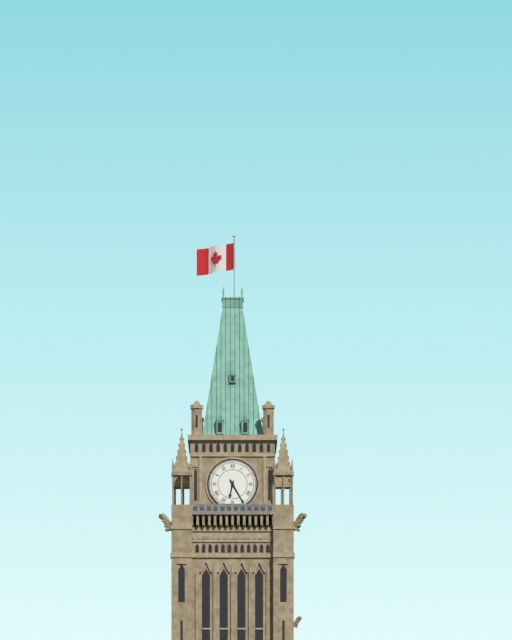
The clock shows h=6 m=25
